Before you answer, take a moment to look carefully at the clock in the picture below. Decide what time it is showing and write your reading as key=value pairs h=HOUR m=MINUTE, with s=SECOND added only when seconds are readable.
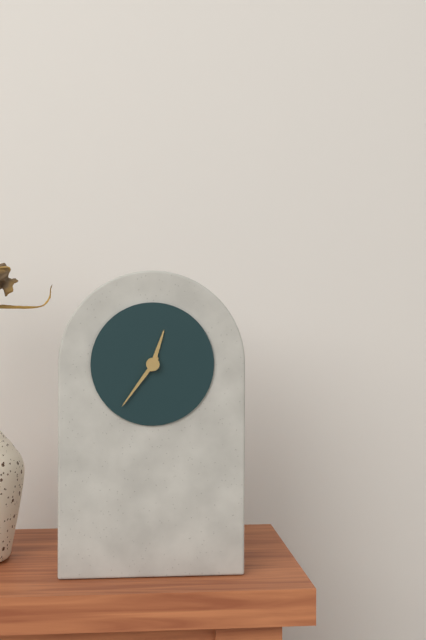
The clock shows h=12 m=36
